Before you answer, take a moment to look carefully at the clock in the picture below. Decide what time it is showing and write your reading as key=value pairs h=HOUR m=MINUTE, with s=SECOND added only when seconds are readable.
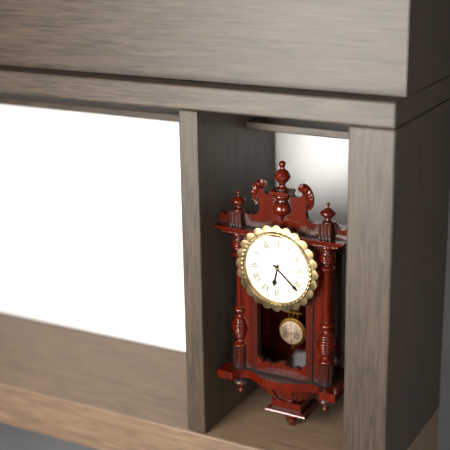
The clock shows h=6 m=22
